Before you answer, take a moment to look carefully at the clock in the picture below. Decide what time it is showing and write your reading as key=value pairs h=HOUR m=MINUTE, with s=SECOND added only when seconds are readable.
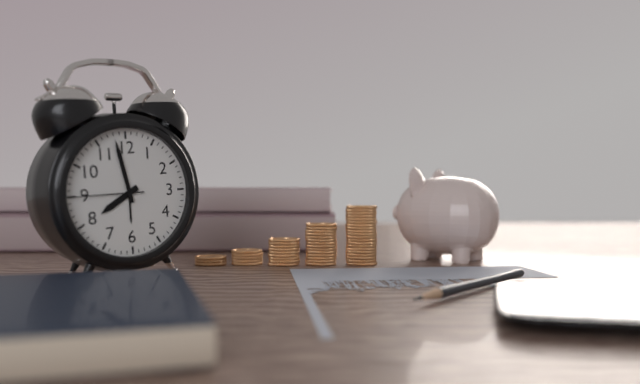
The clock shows h=7 m=58 s=45
